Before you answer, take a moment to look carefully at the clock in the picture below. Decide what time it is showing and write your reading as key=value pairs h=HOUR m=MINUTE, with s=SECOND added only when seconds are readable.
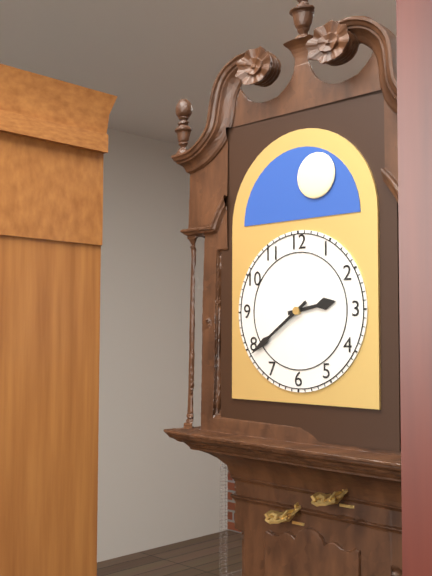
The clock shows h=2 m=39
